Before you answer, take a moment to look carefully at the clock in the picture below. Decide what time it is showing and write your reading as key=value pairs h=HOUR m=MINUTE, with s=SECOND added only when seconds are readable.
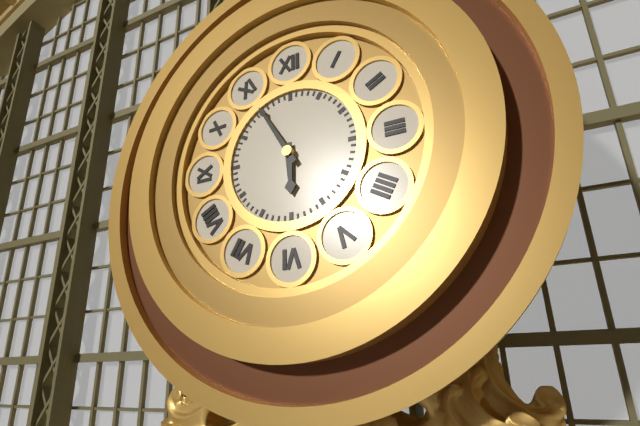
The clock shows h=5 m=55
